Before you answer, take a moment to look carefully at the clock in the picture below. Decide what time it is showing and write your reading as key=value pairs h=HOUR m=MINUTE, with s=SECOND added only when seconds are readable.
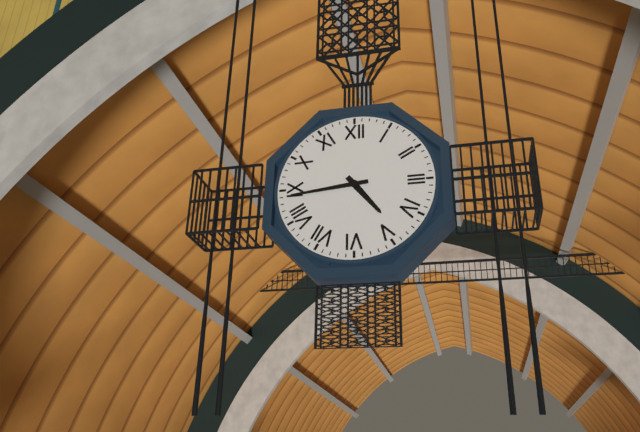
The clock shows h=4 m=44
